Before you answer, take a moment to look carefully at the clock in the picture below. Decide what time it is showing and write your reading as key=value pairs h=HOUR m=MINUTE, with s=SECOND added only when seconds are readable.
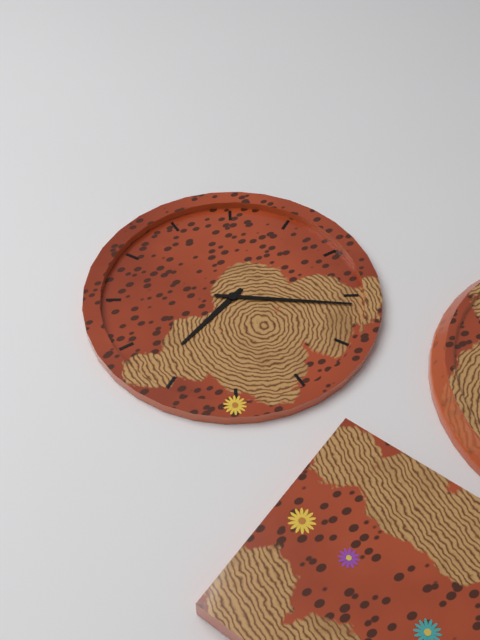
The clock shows h=8 m=21
